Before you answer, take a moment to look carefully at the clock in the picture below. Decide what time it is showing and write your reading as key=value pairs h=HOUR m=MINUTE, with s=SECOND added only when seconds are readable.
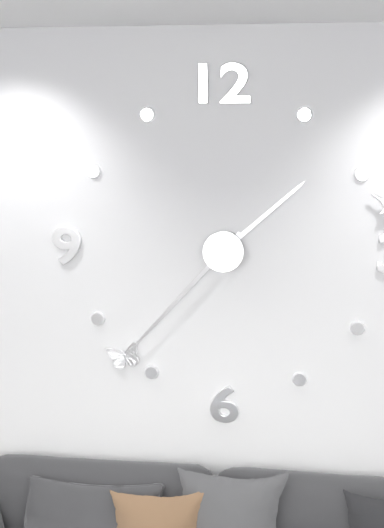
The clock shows h=1 m=37
